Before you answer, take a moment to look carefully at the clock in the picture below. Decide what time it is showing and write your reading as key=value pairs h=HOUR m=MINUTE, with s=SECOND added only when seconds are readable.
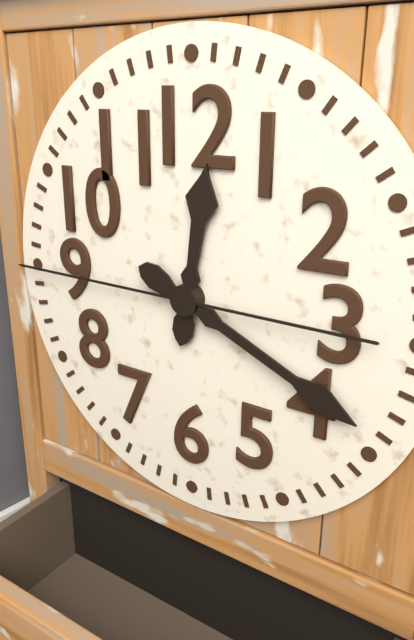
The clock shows h=12 m=19 s=45
